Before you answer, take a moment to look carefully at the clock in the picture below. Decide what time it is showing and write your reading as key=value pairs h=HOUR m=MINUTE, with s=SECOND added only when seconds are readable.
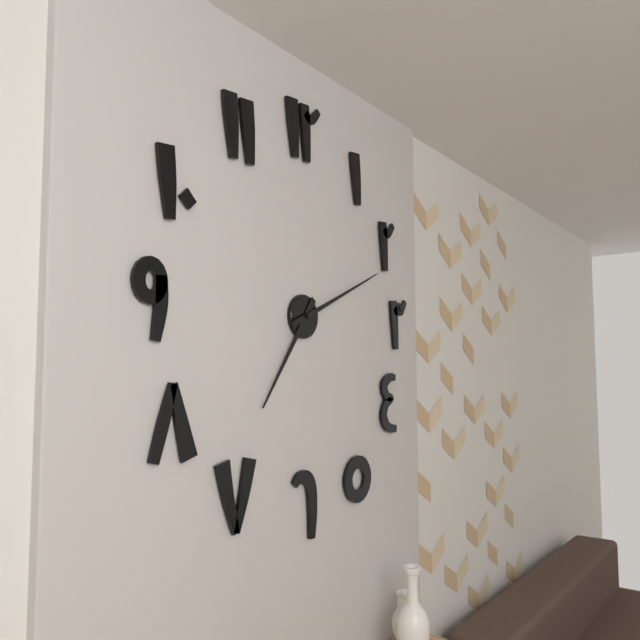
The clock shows h=7 m=11
